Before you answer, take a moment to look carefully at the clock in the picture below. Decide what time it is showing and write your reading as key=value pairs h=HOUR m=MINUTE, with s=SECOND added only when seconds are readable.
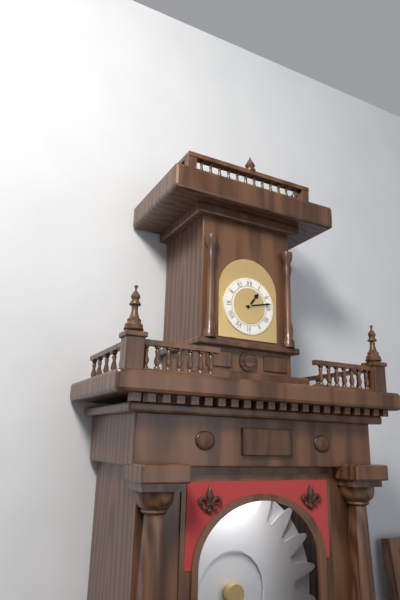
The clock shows h=1 m=13
